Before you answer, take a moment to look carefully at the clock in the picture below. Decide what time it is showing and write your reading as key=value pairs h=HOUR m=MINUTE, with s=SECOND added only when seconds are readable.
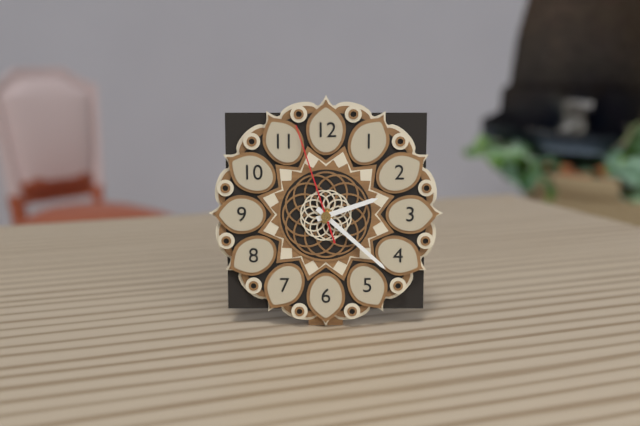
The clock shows h=2 m=22 s=57
